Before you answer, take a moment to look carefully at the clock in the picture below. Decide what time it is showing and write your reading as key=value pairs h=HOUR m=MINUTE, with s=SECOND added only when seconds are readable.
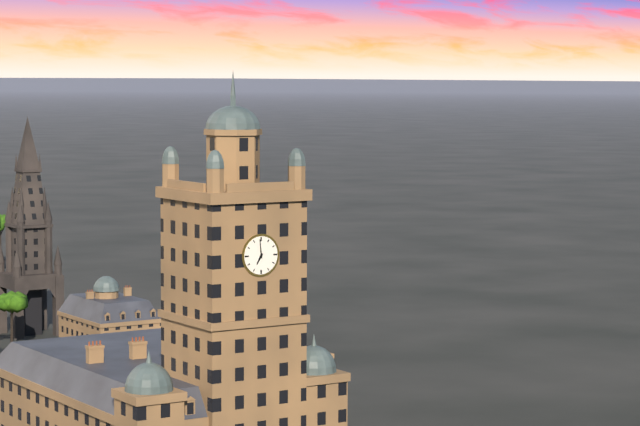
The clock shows h=6 m=59
